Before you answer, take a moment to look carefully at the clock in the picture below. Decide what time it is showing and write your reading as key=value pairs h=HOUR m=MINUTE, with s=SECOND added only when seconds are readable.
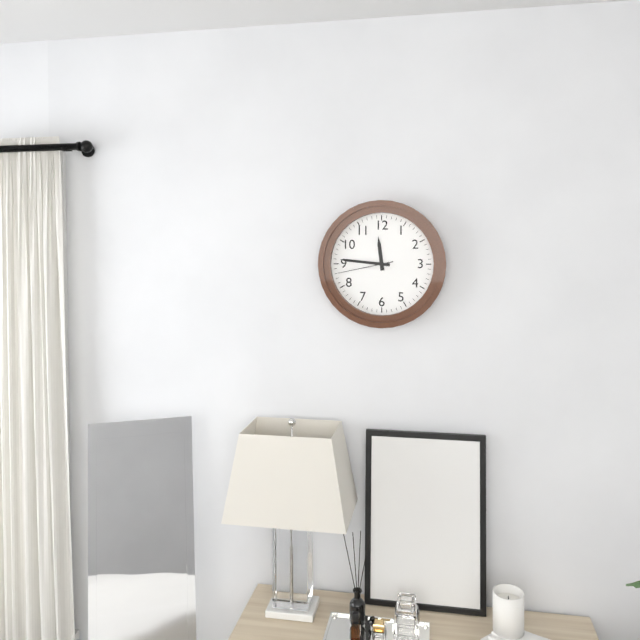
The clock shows h=11 m=46 s=43
